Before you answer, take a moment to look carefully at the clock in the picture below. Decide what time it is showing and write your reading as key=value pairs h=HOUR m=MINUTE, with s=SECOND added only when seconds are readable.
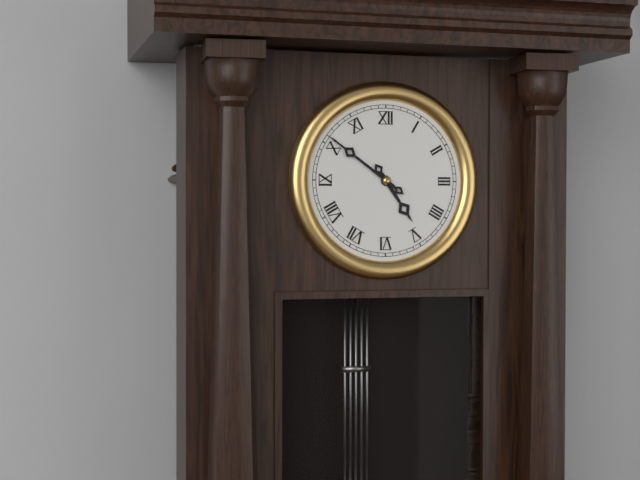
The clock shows h=4 m=51
